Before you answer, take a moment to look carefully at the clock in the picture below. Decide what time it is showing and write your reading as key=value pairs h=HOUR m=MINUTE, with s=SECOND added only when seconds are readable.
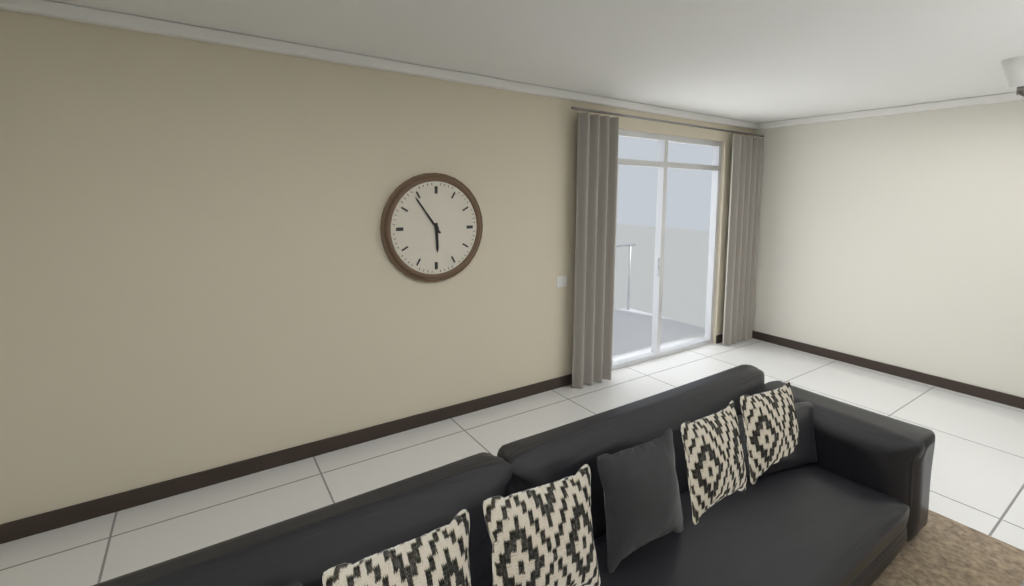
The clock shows h=5 m=54
